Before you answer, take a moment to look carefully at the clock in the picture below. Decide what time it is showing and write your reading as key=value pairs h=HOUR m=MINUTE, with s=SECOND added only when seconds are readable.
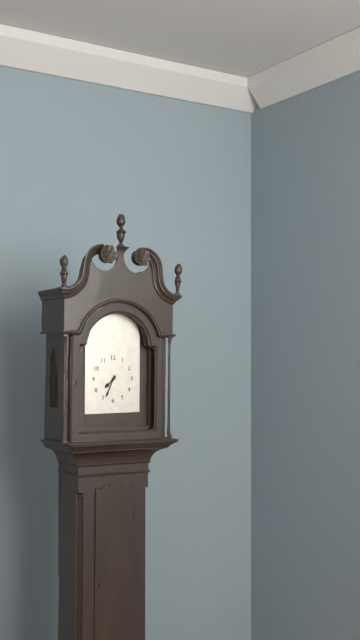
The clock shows h=7 m=34
